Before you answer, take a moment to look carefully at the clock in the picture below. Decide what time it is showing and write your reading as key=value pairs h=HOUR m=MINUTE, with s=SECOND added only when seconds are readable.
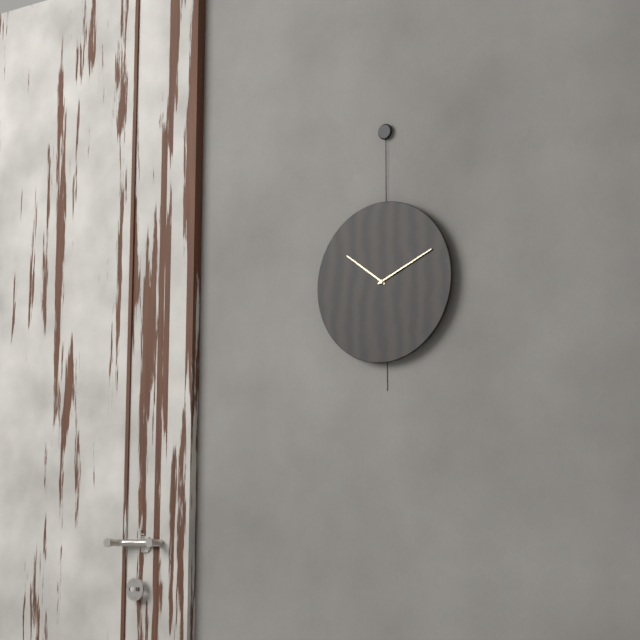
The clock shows h=10 m=11
